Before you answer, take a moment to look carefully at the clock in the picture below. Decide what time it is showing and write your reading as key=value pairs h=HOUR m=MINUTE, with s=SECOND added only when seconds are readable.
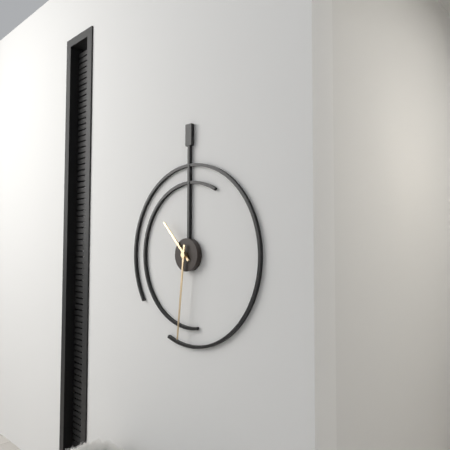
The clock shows h=10 m=31
